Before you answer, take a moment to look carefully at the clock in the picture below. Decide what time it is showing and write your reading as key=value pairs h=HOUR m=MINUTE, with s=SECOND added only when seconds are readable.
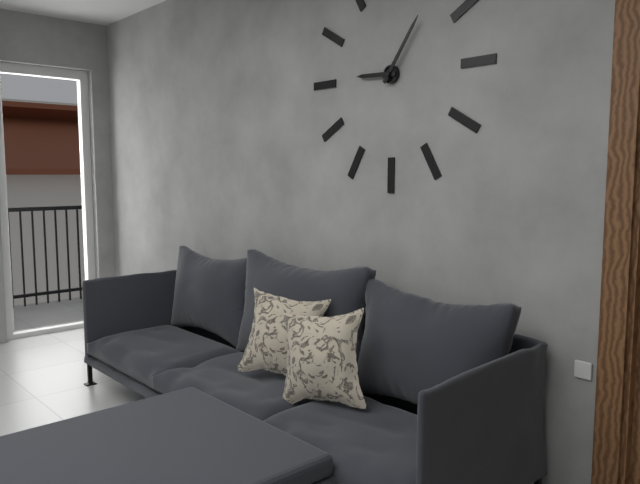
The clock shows h=9 m=6
